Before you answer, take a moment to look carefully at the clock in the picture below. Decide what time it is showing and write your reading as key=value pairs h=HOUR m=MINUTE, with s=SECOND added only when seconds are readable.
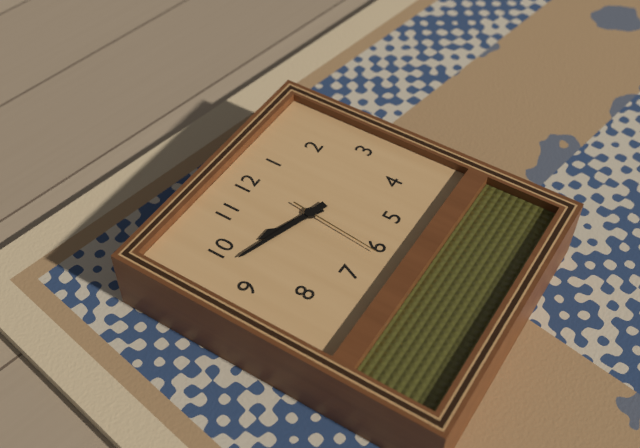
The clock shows h=9 m=48 s=31
